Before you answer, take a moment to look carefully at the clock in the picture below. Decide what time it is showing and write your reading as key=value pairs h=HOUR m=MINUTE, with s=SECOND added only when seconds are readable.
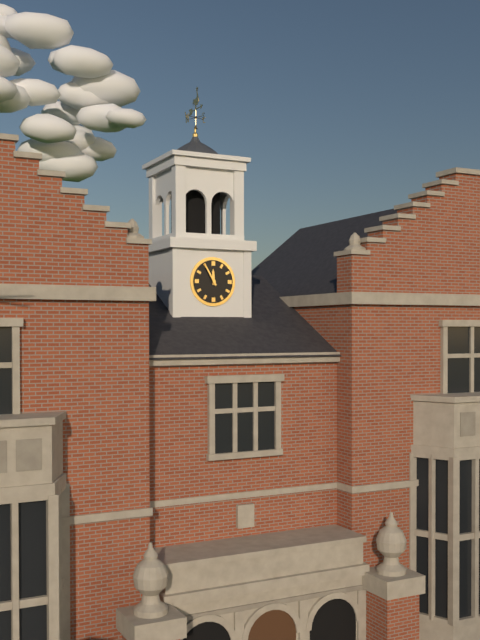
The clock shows h=11 m=55
